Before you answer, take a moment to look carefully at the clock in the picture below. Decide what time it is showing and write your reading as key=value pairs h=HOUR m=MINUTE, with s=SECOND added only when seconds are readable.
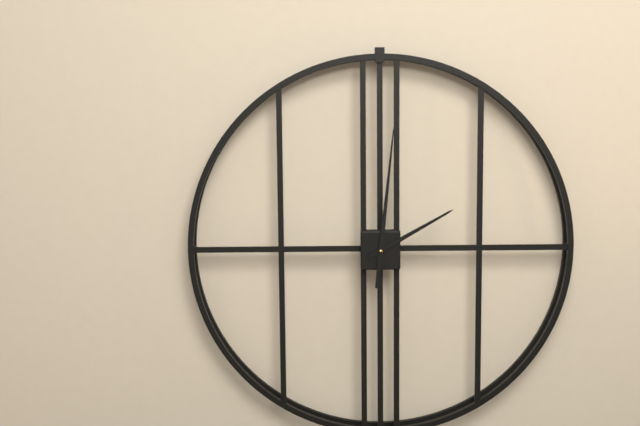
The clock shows h=2 m=1
